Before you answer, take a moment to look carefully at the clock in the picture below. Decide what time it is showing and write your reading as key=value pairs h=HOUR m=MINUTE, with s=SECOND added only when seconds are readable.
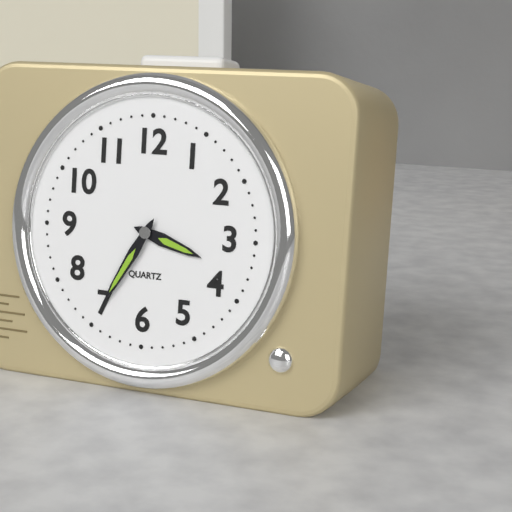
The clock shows h=3 m=35
